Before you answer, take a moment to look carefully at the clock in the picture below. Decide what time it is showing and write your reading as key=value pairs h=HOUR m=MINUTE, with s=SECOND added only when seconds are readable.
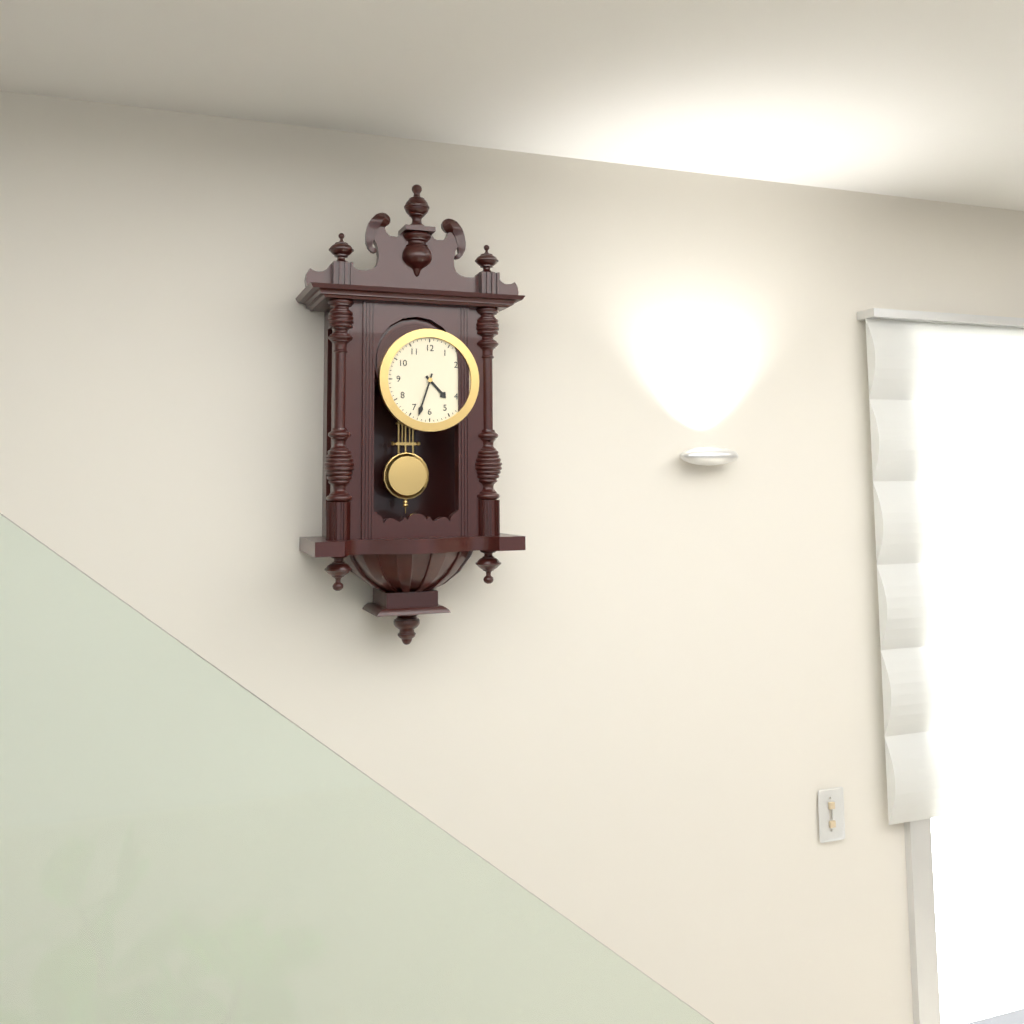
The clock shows h=4 m=33
